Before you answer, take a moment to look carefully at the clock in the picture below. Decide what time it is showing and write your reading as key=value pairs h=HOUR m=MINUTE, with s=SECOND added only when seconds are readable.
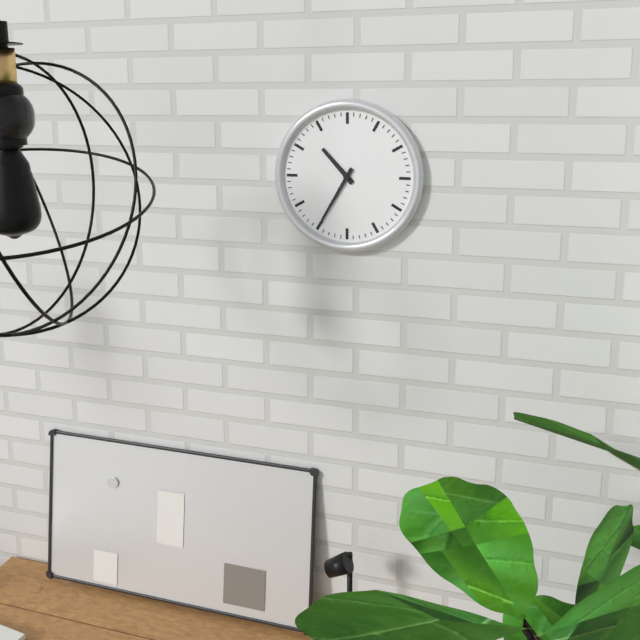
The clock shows h=10 m=35
